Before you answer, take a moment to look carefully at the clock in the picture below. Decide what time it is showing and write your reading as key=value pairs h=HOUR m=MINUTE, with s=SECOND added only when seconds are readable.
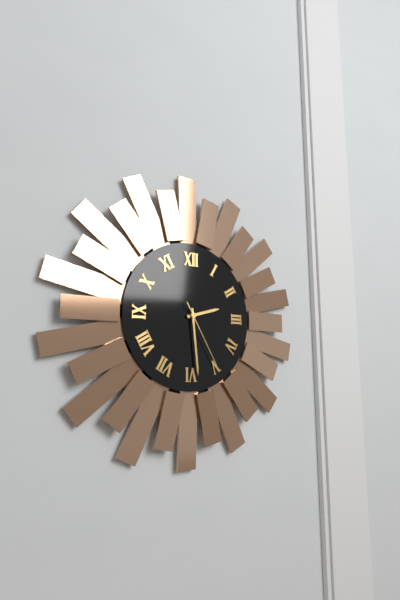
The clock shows h=2 m=29 s=25
